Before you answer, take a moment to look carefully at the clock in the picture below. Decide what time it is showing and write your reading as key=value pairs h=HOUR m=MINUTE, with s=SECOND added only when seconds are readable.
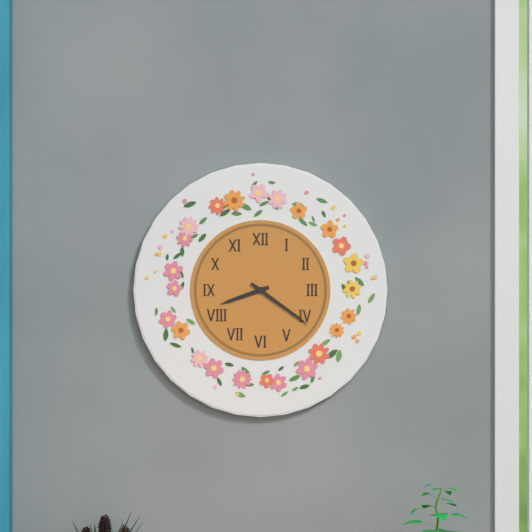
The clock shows h=8 m=21
